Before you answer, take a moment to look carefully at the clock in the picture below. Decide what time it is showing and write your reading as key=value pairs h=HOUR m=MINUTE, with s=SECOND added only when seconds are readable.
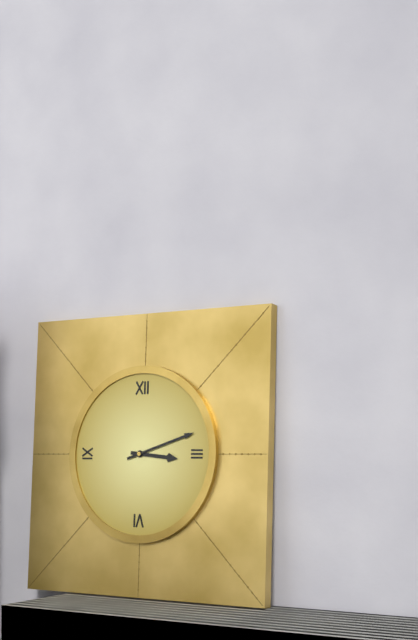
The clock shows h=3 m=12
